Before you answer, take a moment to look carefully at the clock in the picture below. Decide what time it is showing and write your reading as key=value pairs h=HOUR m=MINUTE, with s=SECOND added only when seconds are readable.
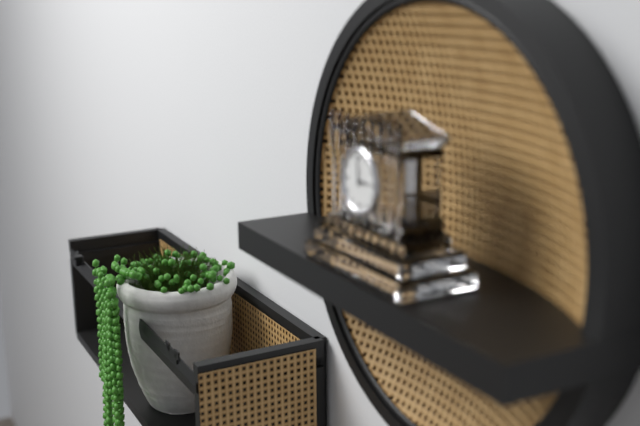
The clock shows h=2 m=59
